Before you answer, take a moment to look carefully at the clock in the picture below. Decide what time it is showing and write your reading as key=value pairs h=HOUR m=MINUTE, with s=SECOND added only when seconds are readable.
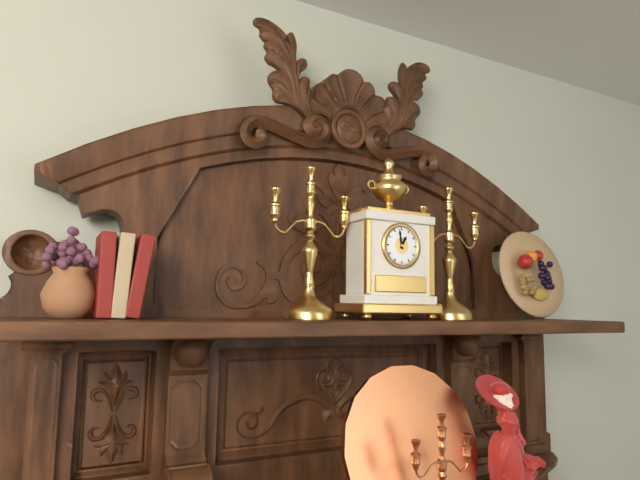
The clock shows h=12 m=58
